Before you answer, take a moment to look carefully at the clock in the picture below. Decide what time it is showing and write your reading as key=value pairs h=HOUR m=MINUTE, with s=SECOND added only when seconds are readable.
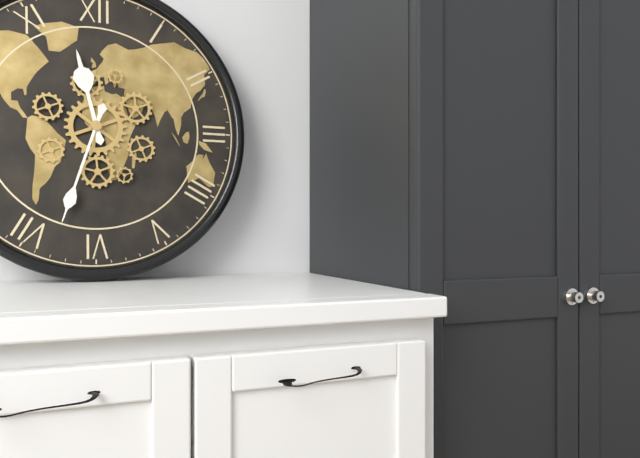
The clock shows h=11 m=33
